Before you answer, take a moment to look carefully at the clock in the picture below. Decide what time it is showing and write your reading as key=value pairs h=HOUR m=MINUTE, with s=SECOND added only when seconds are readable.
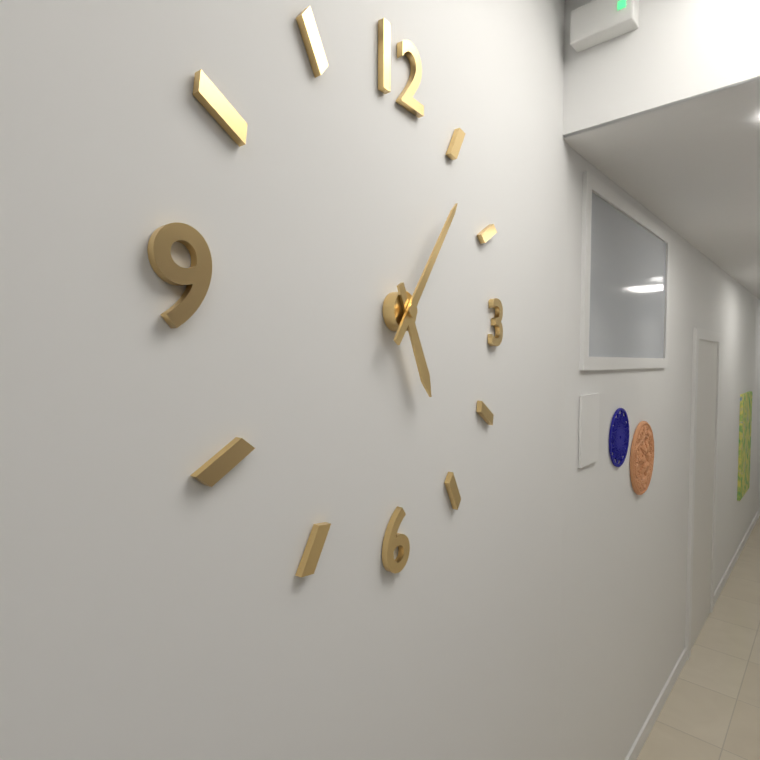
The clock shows h=5 m=6
